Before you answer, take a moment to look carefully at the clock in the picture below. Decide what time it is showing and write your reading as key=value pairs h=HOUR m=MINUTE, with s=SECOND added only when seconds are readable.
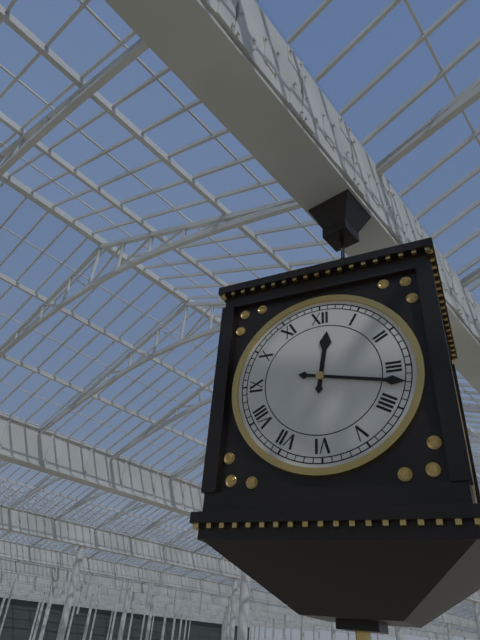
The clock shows h=12 m=17
